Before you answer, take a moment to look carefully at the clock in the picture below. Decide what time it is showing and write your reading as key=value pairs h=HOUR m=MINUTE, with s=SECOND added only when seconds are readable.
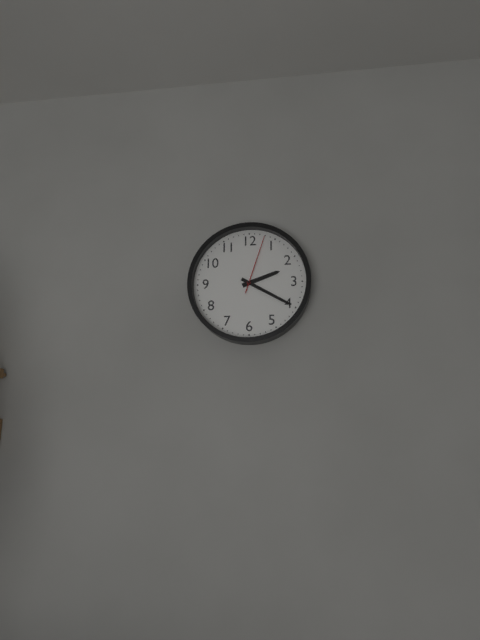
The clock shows h=2 m=20 s=3
